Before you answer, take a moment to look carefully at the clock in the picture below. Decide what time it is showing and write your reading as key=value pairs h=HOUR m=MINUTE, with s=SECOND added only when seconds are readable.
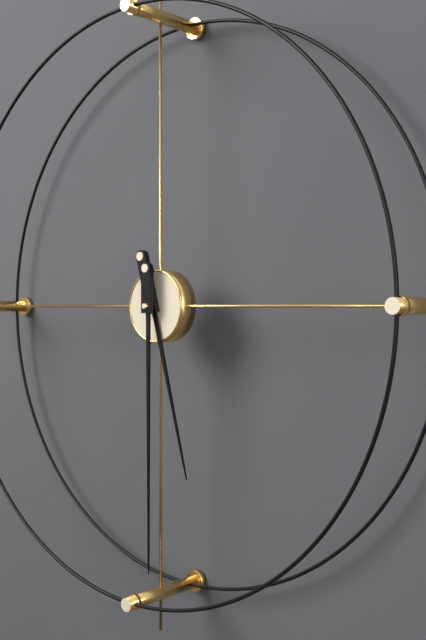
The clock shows h=5 m=30
